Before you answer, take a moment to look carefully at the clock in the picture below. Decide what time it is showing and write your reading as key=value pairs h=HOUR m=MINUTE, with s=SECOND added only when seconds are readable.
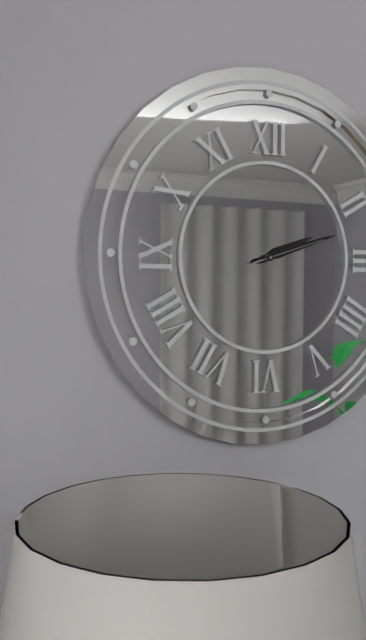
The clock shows h=2 m=12 s=12
